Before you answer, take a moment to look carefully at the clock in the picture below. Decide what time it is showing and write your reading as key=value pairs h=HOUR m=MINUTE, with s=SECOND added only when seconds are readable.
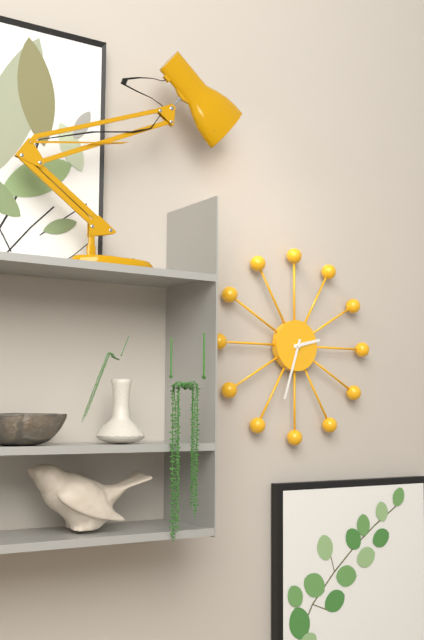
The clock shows h=2 m=33
